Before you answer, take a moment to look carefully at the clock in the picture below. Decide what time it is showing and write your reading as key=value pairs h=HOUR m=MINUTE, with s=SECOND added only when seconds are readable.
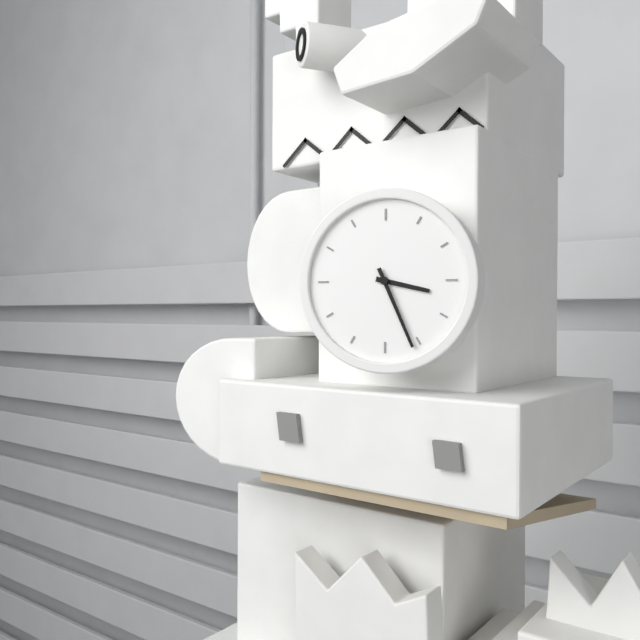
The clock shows h=3 m=26
